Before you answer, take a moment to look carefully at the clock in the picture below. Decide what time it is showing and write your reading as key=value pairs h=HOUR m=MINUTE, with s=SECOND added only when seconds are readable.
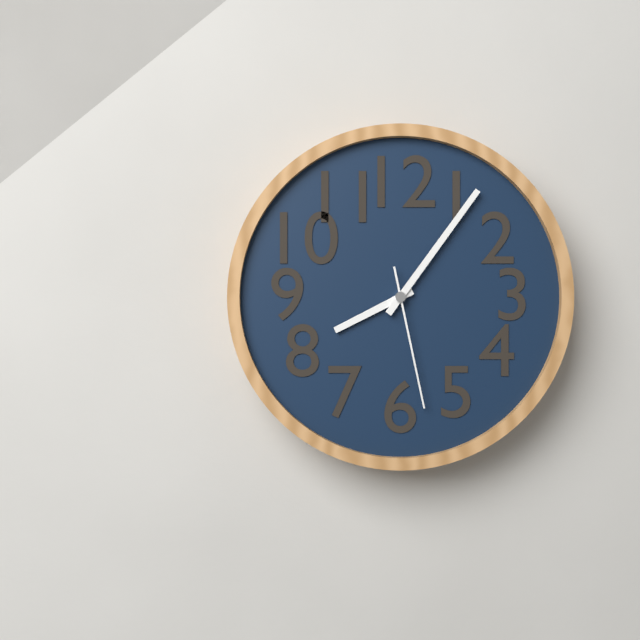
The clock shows h=8 m=6 s=28
